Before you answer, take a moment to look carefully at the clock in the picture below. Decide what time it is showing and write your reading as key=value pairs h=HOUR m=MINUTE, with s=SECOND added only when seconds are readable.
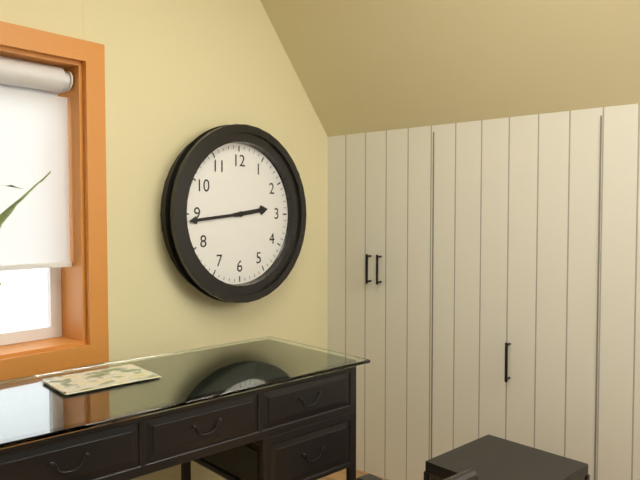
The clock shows h=2 m=44
